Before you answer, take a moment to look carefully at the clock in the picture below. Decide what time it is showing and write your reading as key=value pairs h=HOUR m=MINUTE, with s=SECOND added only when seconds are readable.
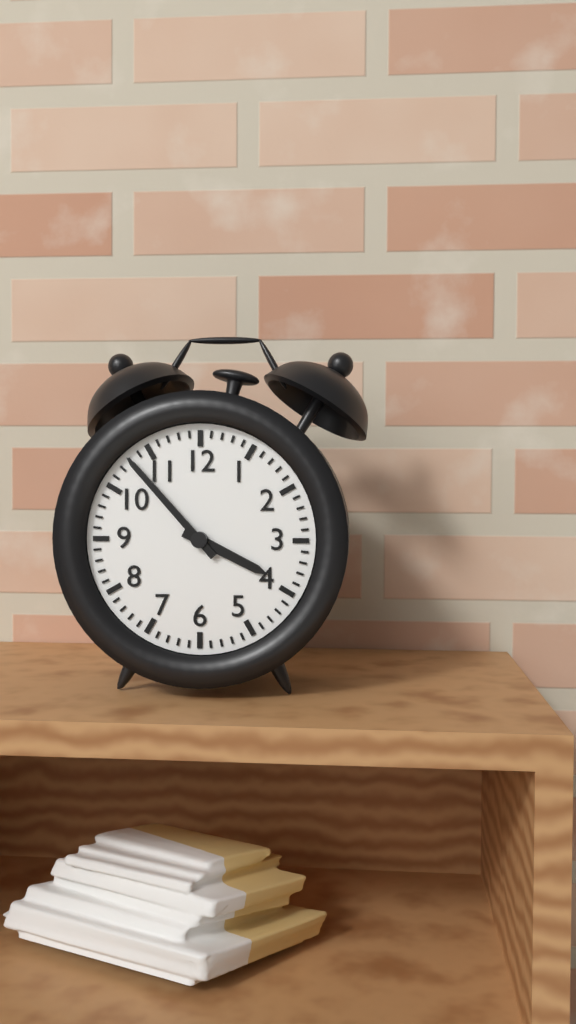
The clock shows h=3 m=53
